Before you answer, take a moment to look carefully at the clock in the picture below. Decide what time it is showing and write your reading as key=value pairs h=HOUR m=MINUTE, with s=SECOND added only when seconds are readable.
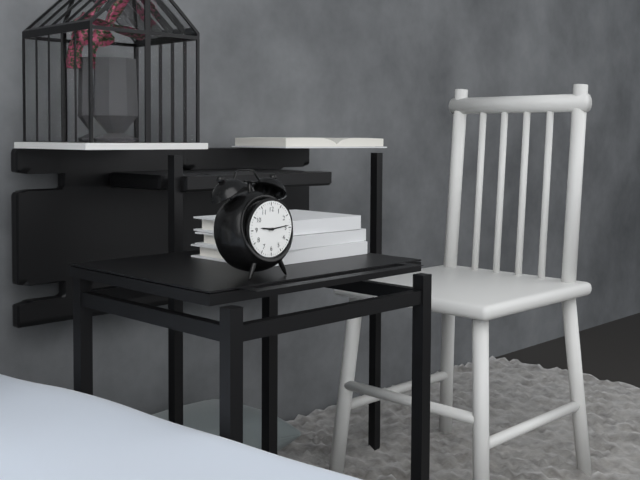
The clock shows h=9 m=14
